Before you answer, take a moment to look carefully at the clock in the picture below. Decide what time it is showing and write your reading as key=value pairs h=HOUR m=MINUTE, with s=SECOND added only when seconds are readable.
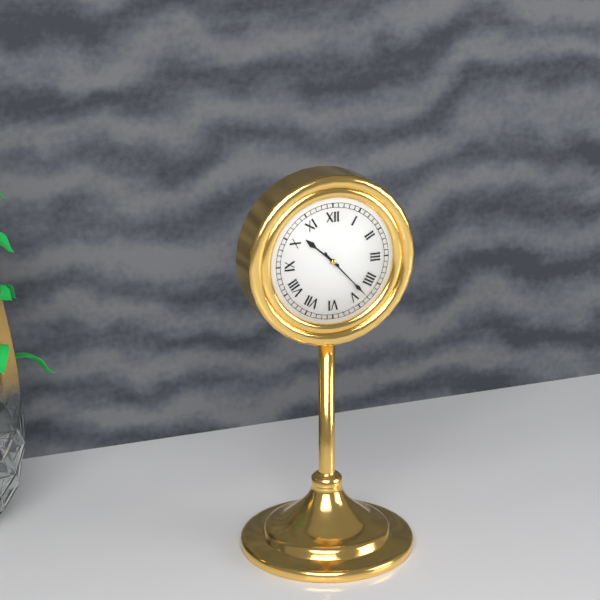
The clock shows h=10 m=23
